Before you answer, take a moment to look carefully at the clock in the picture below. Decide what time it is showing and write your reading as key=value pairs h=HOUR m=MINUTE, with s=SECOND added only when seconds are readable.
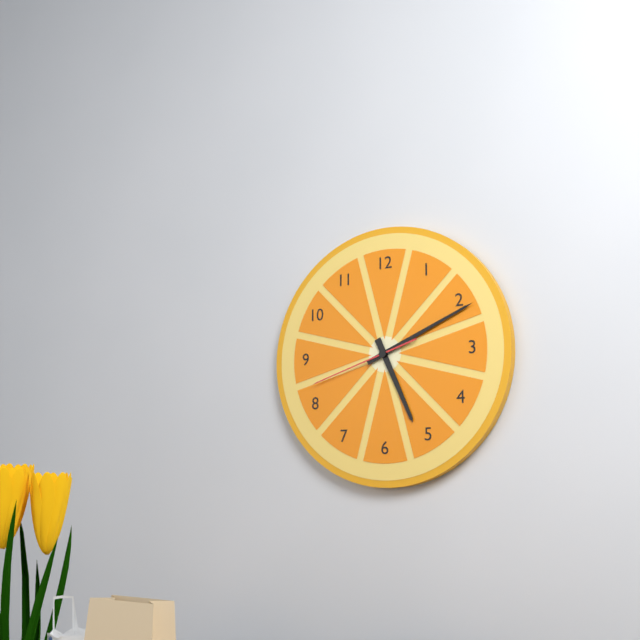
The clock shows h=5 m=11 s=42
